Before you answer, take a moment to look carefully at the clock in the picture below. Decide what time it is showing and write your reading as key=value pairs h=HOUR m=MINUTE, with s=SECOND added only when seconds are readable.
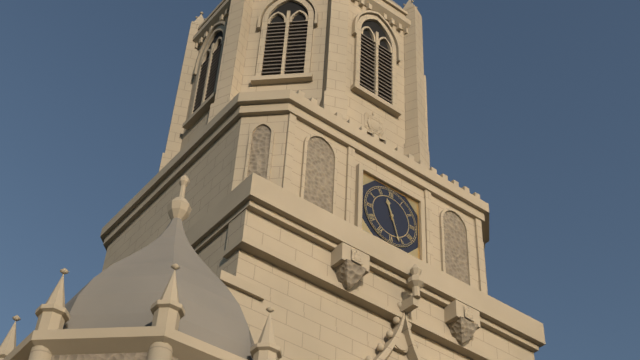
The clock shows h=11 m=27
